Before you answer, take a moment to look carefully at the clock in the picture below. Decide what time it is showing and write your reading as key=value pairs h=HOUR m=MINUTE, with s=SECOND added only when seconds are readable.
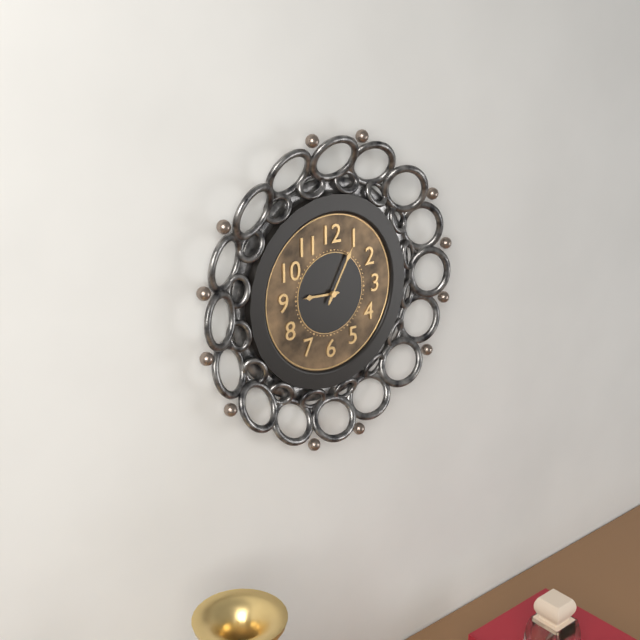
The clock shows h=9 m=5
